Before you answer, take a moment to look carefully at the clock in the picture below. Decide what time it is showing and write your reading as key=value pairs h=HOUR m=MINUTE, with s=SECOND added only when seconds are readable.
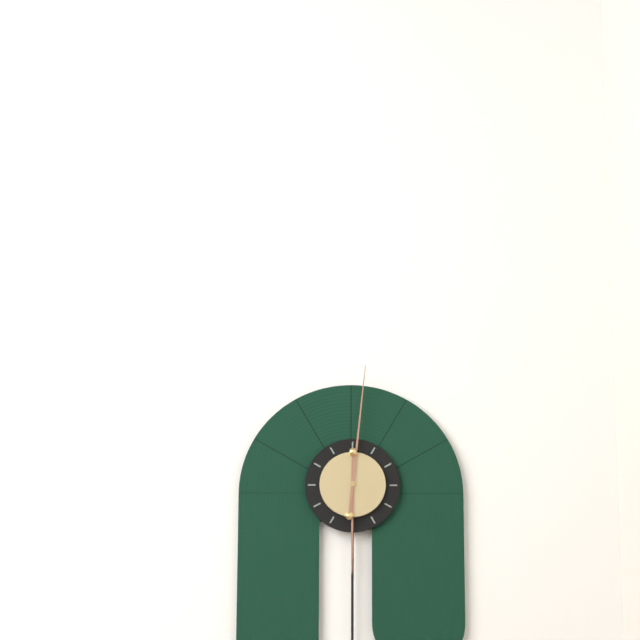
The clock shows h=6 m=1
